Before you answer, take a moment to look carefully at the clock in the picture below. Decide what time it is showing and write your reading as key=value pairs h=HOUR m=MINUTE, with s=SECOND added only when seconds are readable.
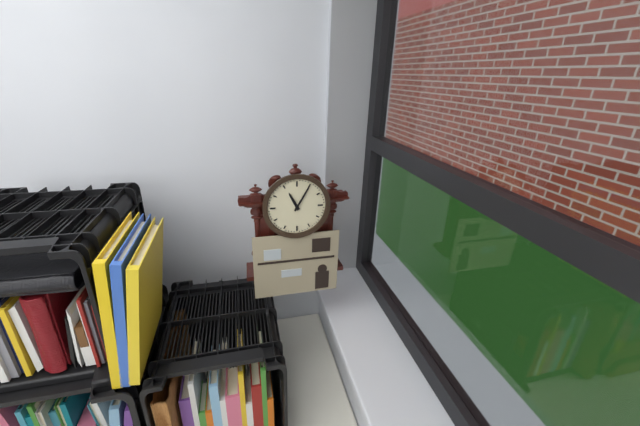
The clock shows h=11 m=5
